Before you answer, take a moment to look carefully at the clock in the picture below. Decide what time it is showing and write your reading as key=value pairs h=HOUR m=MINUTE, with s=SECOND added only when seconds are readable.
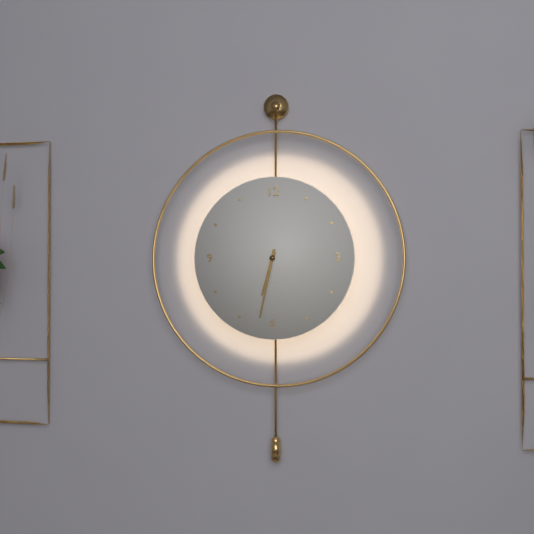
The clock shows h=6 m=32
